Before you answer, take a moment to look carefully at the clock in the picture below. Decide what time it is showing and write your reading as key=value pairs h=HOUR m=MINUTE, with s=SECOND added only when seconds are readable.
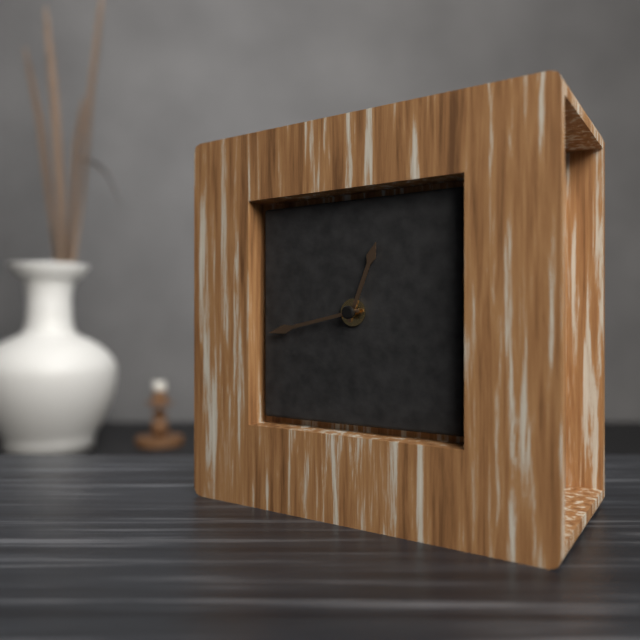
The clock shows h=12 m=43
